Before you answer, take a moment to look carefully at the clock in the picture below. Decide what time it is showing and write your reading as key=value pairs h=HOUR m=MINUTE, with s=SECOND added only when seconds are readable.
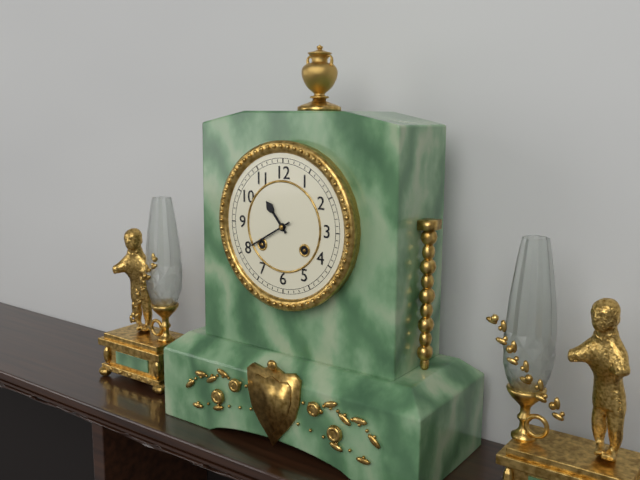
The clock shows h=10 m=40
